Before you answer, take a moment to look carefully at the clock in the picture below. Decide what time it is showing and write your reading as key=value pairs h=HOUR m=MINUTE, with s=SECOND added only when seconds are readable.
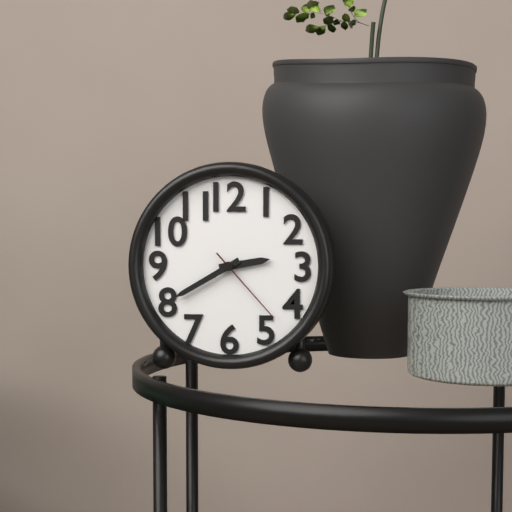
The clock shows h=2 m=40 s=23
